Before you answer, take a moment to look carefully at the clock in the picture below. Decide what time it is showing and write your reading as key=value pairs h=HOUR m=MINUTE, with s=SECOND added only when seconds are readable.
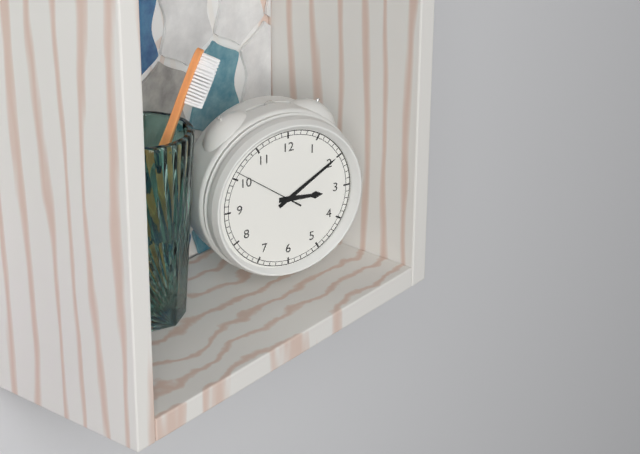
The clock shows h=3 m=10 s=51
